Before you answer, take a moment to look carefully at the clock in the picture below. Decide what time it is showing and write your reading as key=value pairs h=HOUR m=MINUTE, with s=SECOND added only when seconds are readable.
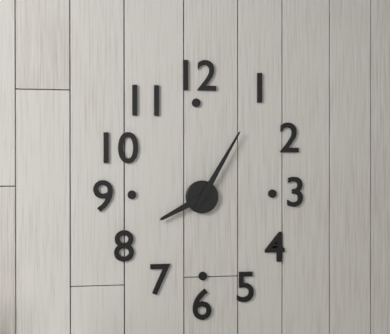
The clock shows h=8 m=5
